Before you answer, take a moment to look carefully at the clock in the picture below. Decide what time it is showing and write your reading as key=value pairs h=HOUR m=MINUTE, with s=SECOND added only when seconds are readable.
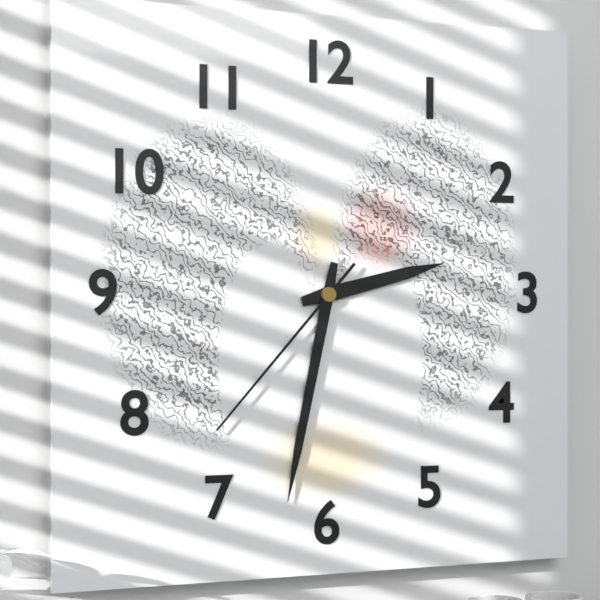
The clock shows h=2 m=32 s=37
